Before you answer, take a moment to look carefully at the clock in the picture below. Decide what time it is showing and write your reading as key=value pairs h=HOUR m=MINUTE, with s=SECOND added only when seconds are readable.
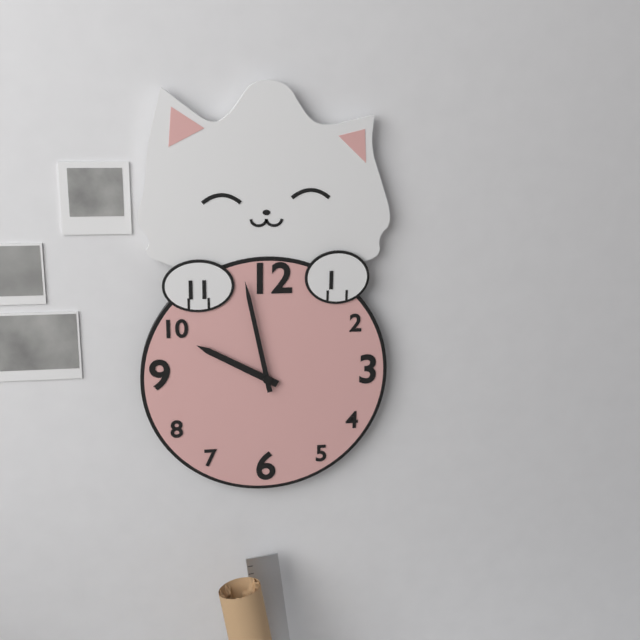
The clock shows h=9 m=58
